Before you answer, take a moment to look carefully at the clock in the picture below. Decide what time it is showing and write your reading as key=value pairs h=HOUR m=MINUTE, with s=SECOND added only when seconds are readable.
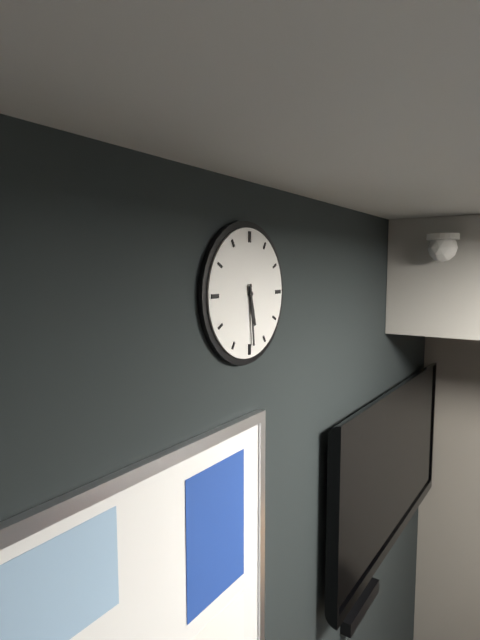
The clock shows h=5 m=29
